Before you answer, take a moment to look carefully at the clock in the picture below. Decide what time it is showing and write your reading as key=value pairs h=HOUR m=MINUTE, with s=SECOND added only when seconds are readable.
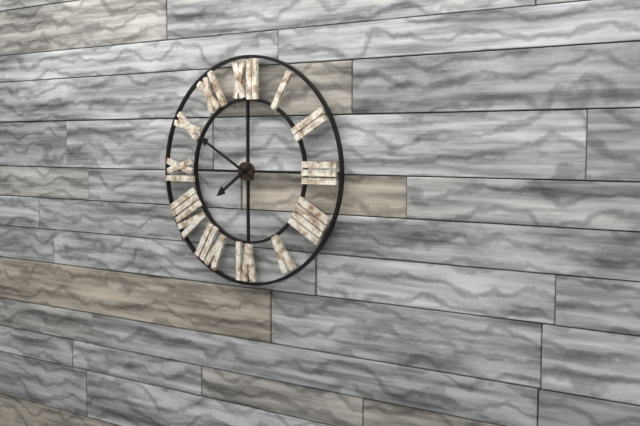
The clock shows h=7 m=50
